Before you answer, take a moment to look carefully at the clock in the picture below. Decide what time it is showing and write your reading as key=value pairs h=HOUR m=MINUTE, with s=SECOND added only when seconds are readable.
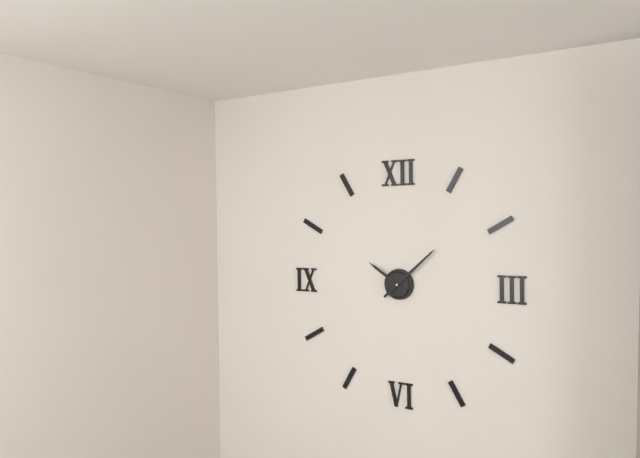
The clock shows h=10 m=8
